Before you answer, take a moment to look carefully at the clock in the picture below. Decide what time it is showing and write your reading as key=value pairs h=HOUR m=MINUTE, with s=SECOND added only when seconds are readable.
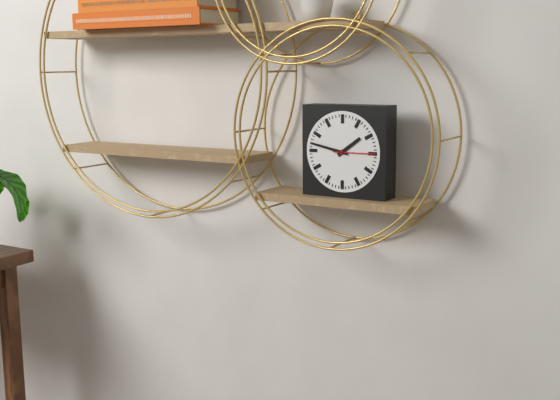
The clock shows h=1 m=47
